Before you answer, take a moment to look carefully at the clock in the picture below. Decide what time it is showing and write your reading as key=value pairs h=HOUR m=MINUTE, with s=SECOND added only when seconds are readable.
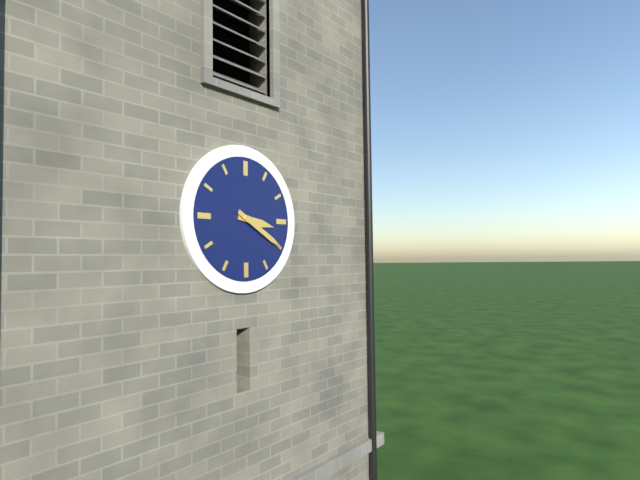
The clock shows h=3 m=20
